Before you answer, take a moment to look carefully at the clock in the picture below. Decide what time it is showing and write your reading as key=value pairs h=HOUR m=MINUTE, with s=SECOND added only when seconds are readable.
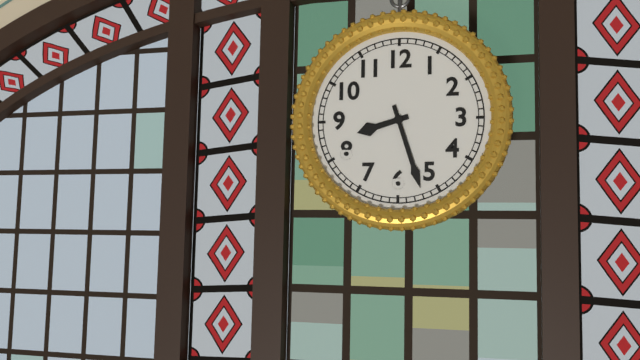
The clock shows h=8 m=27
